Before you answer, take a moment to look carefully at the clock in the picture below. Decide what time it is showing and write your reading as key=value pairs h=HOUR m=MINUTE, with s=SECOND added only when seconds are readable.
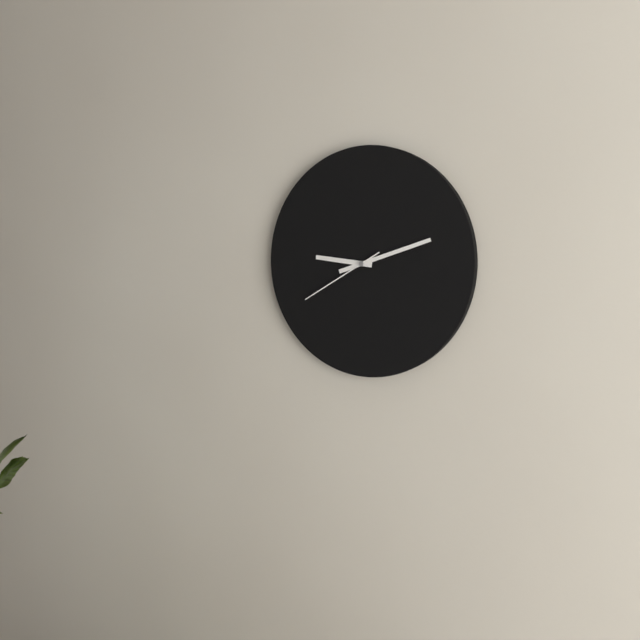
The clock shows h=9 m=12 s=40
